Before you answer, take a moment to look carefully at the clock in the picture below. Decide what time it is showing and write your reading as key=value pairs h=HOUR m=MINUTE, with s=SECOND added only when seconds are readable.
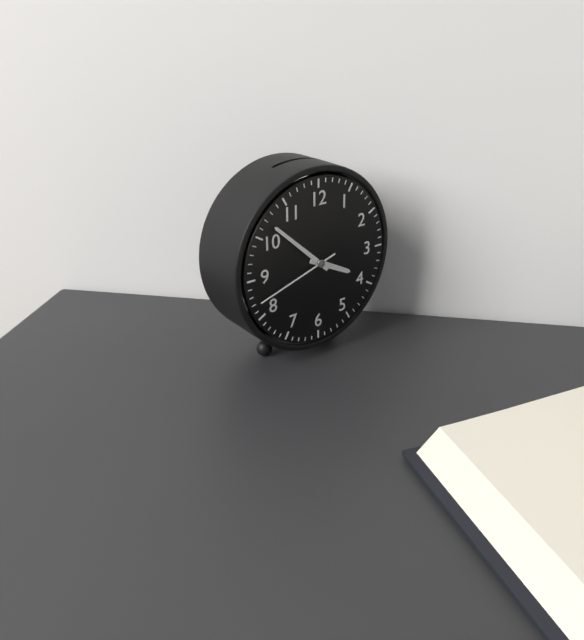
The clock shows h=3 m=52 s=42
